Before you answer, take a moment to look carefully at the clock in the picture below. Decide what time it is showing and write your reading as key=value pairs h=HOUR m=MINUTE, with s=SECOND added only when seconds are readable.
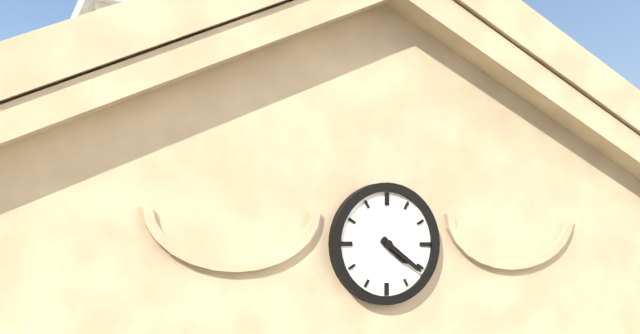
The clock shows h=4 m=21
